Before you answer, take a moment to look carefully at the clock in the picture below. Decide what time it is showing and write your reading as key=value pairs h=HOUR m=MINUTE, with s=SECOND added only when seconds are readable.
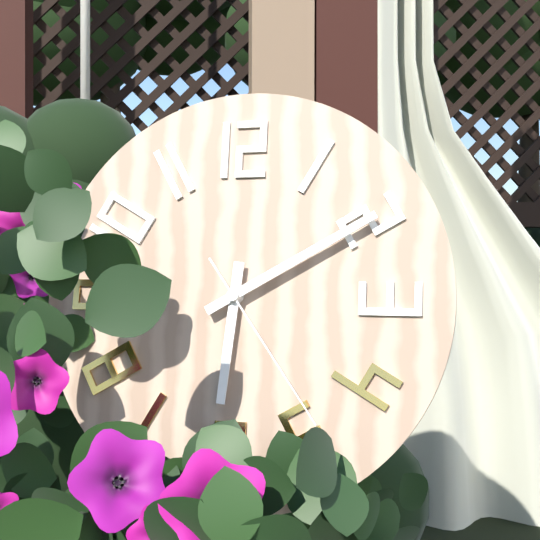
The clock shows h=6 m=10 s=24
